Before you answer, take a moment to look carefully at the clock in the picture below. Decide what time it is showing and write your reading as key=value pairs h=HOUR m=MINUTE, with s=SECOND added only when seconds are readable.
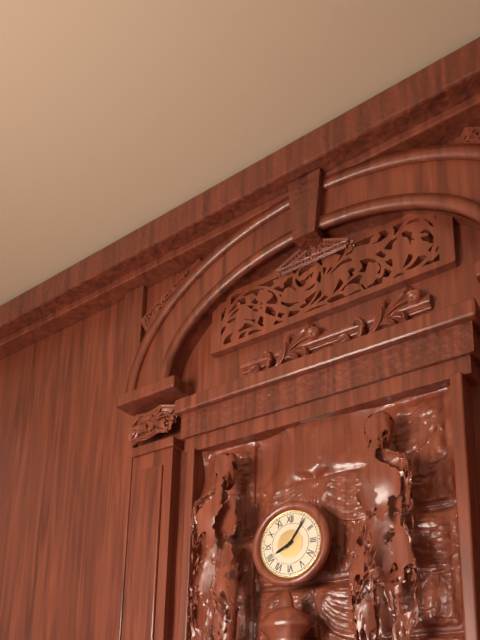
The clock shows h=8 m=6
